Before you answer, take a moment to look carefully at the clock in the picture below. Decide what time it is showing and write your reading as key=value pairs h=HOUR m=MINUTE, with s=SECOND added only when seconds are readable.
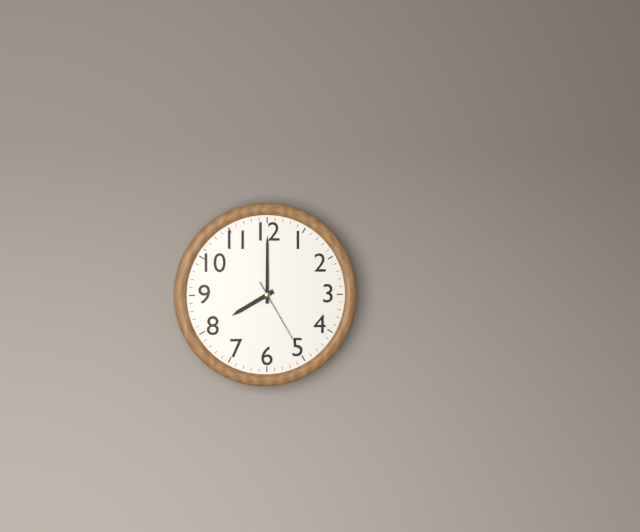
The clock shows h=8 m=0 s=25
